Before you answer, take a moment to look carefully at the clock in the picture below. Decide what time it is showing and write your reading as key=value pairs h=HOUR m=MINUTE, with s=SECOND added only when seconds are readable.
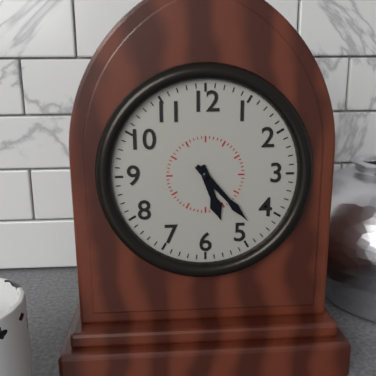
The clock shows h=5 m=23
